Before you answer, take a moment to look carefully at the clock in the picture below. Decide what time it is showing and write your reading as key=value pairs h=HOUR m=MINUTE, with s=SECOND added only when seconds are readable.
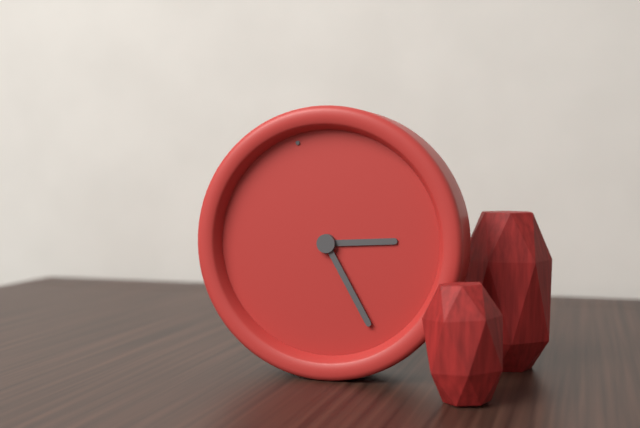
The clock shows h=3 m=28
